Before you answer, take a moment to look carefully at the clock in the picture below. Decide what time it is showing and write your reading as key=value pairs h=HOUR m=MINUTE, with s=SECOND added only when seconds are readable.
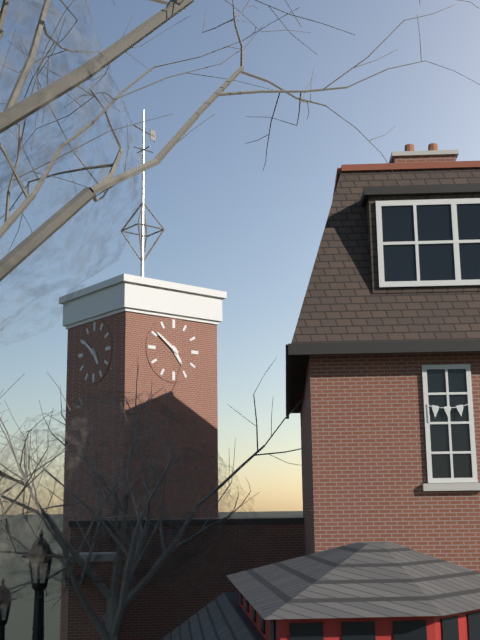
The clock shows h=4 m=51
